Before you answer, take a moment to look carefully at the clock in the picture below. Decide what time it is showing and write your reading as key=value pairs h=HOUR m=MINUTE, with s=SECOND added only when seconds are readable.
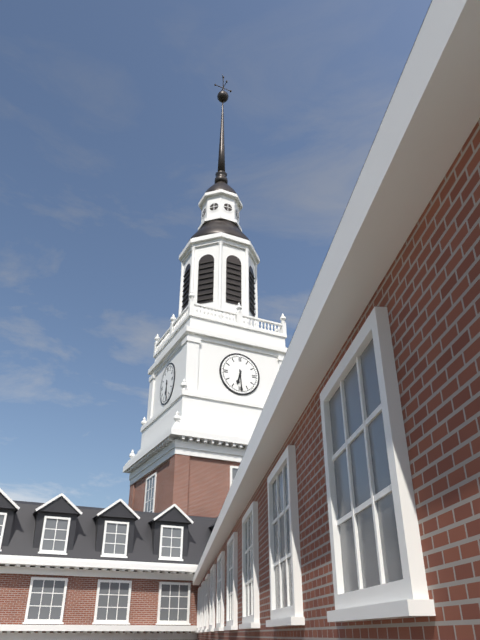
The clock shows h=6 m=29
